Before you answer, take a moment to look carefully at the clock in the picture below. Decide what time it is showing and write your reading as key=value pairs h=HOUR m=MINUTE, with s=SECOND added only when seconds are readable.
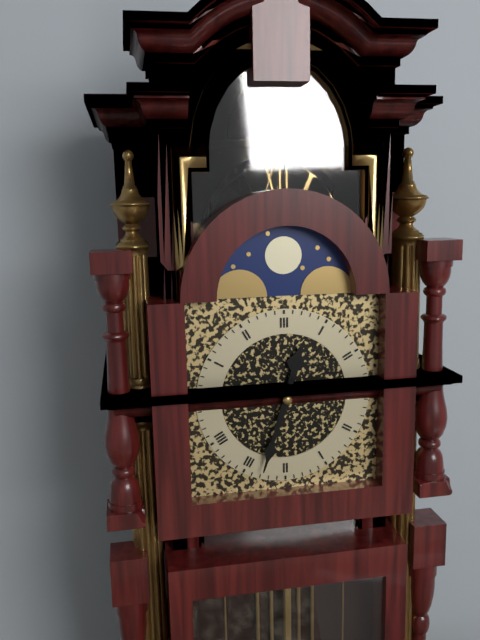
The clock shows h=12 m=33
